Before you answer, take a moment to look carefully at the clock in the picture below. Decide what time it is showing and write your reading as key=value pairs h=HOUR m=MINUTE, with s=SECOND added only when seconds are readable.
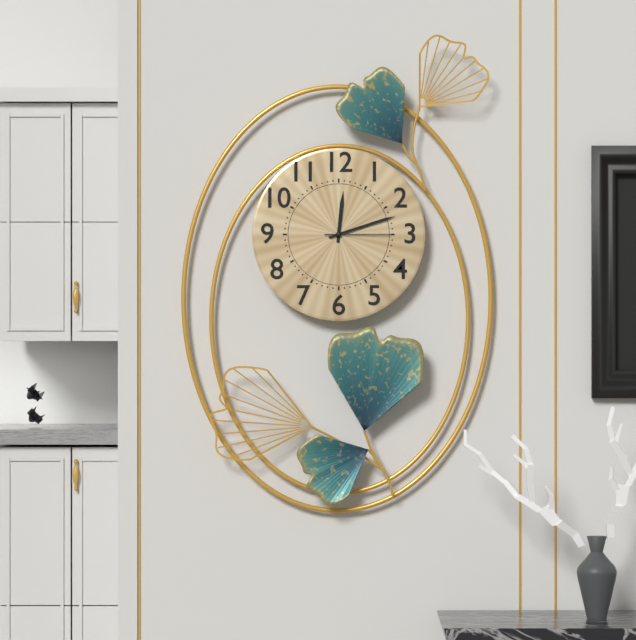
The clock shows h=12 m=12 s=15
